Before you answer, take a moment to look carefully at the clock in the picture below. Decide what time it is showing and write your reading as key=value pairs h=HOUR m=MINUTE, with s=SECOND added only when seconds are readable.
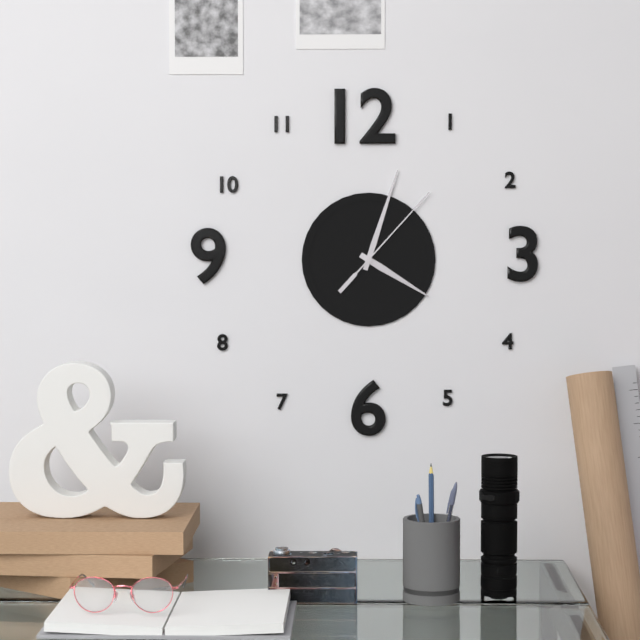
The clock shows h=4 m=3 s=7
